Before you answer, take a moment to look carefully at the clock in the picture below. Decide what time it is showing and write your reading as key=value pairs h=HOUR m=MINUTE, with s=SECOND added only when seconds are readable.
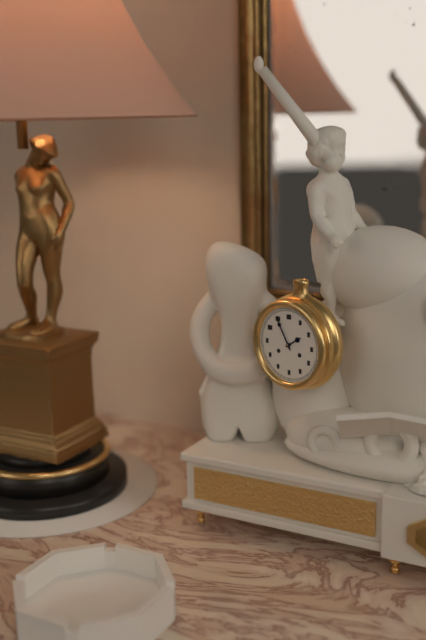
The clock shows h=1 m=55
